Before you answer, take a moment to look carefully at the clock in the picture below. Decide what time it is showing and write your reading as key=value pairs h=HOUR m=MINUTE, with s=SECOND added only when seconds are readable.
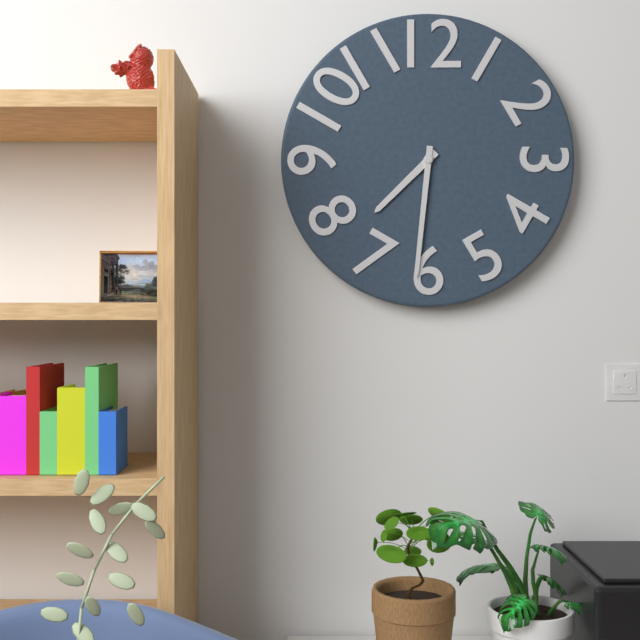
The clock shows h=7 m=31
